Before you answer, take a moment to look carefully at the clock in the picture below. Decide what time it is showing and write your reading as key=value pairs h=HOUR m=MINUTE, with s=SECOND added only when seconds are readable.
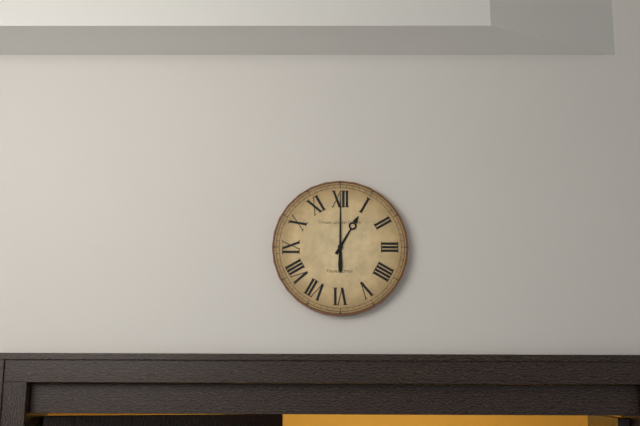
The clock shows h=1 m=0
